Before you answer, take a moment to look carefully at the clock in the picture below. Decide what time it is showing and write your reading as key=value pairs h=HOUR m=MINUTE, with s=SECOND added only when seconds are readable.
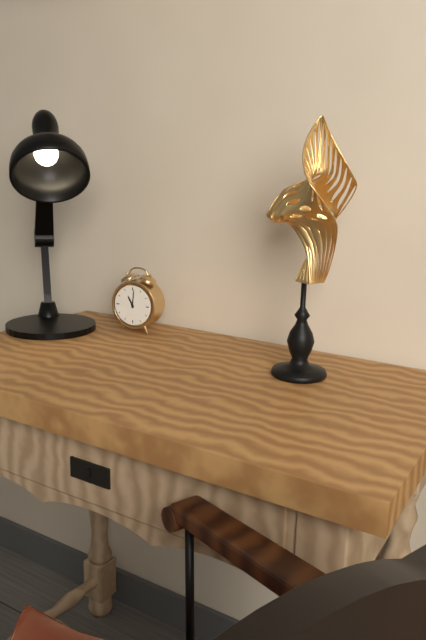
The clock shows h=11 m=1
